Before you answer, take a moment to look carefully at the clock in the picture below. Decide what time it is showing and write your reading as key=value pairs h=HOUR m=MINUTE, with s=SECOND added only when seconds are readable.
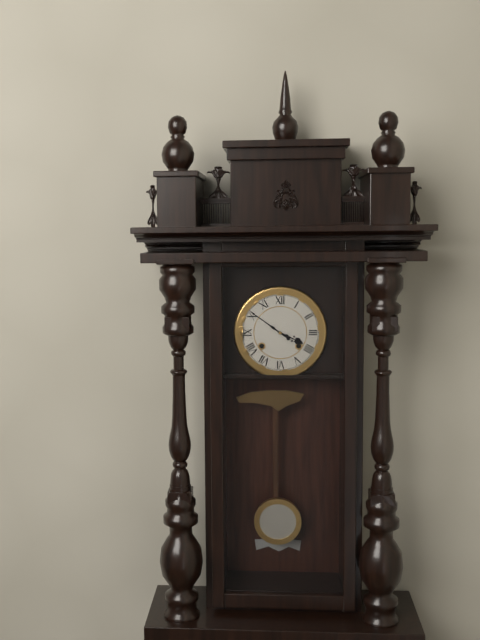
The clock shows h=3 m=51
